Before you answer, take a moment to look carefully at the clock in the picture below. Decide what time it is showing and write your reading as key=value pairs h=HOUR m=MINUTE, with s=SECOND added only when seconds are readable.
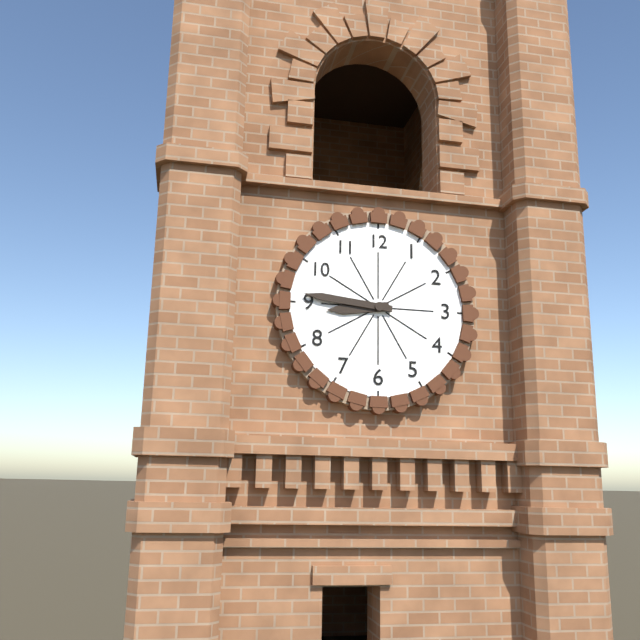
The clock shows h=8 m=46
